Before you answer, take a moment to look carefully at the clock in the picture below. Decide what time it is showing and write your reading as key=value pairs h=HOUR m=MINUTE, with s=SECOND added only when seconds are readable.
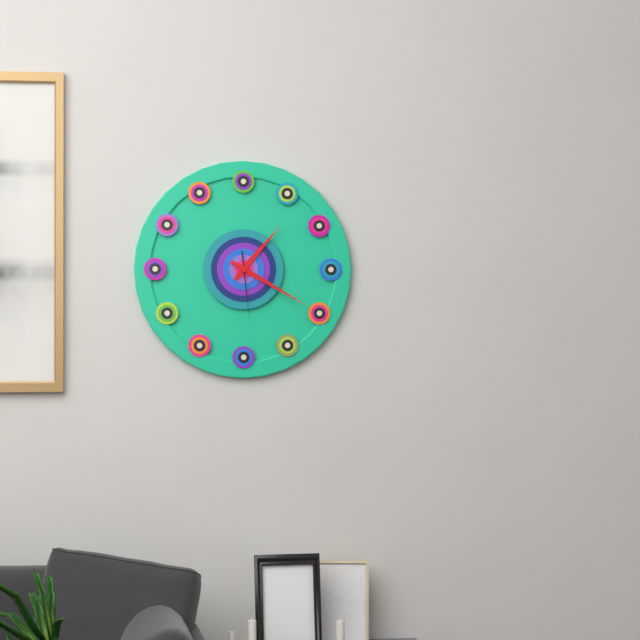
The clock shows h=1 m=20 s=29
